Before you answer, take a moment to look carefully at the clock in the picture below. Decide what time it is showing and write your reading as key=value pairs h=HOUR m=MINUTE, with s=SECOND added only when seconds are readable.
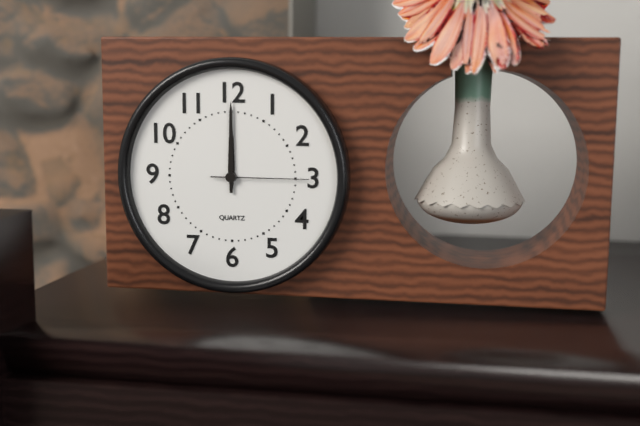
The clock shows h=12 m=0 s=15
